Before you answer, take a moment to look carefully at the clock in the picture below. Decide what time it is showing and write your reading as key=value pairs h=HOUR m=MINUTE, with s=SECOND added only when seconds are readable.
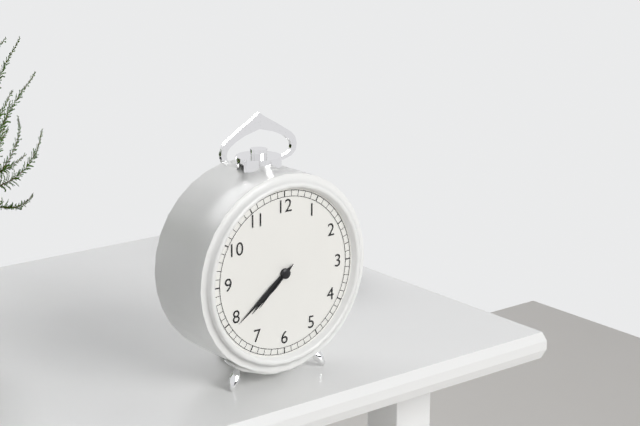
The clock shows h=7 m=39 s=38
